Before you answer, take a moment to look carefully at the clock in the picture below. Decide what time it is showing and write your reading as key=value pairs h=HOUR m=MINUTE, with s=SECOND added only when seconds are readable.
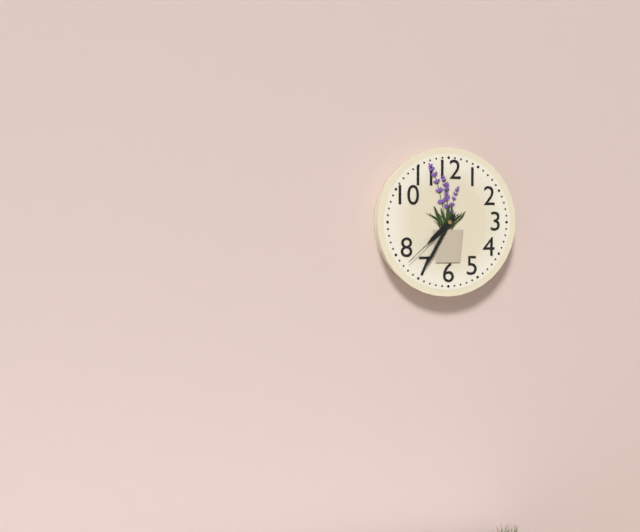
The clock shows h=7 m=35 s=38
